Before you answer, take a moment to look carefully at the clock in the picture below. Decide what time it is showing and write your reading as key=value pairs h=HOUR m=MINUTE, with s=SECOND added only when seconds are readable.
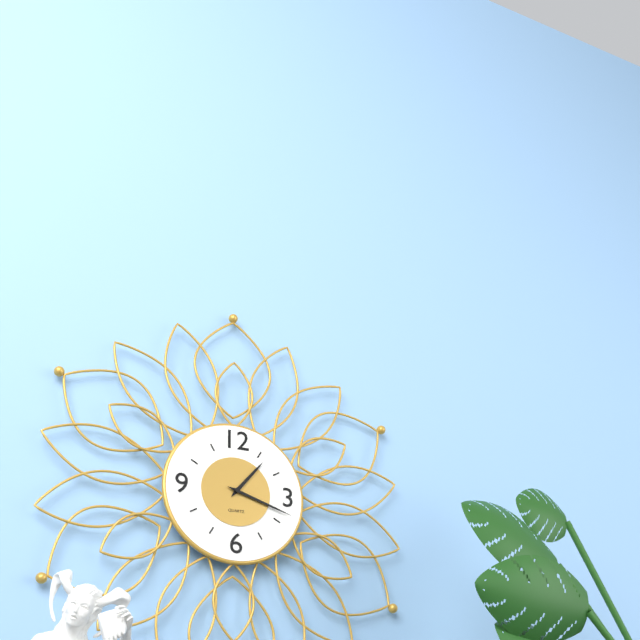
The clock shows h=1 m=18
